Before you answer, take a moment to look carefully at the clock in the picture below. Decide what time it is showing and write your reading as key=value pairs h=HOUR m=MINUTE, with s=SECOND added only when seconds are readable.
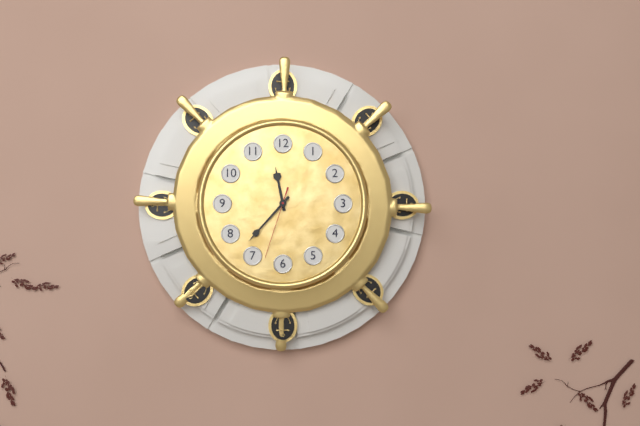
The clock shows h=11 m=37 s=33
